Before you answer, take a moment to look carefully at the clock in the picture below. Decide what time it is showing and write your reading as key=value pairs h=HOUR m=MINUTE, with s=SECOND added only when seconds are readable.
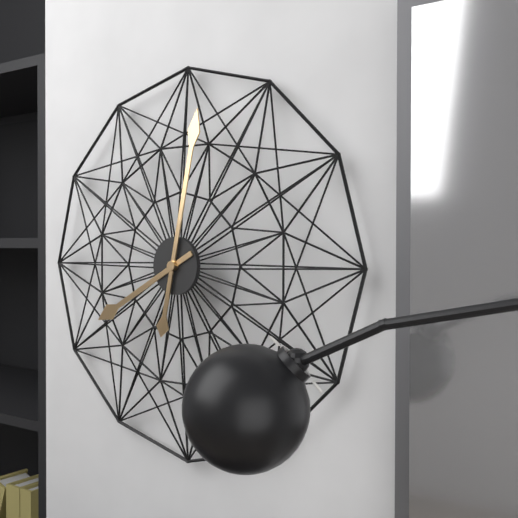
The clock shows h=8 m=2
